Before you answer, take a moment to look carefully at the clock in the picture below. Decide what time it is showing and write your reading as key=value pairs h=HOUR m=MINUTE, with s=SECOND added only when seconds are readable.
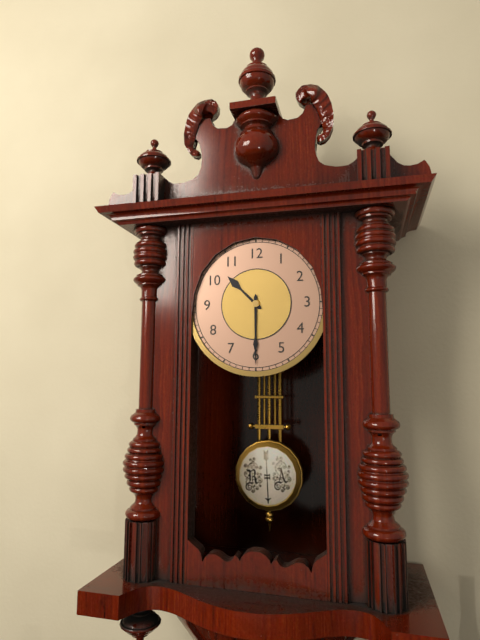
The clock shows h=10 m=30
